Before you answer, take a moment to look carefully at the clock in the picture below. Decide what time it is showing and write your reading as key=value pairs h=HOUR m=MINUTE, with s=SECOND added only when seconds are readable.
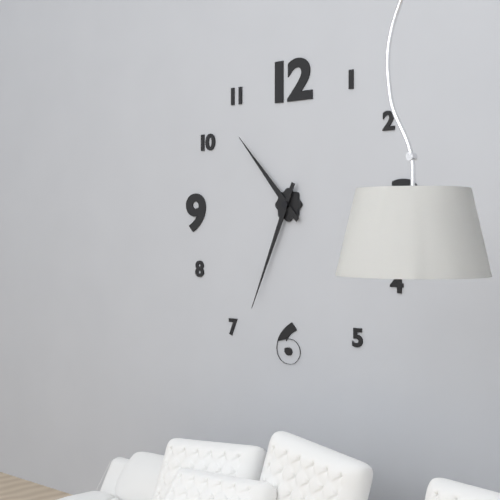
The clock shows h=10 m=34
